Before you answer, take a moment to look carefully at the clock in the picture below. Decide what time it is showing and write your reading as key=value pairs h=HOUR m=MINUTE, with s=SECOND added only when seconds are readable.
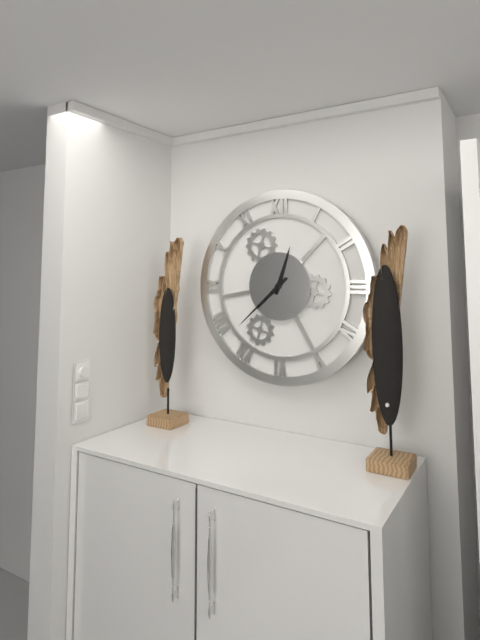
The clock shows h=12 m=38
